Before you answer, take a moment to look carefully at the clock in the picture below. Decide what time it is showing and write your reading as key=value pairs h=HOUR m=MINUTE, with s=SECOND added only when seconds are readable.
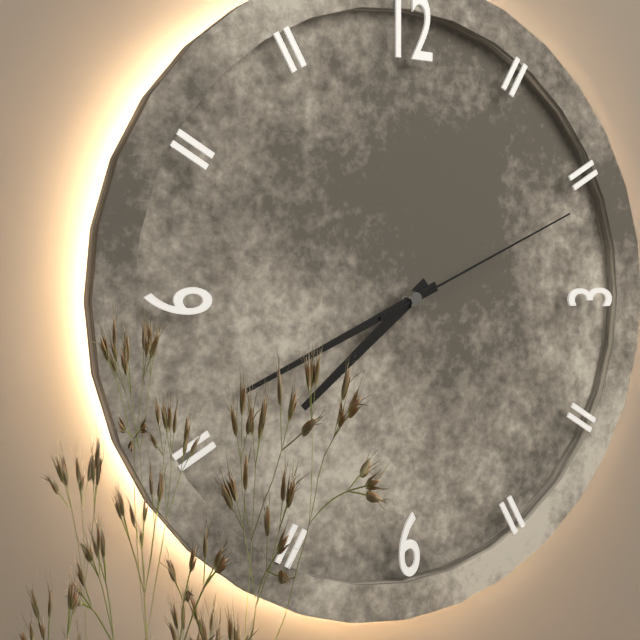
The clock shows h=7 m=41 s=11
